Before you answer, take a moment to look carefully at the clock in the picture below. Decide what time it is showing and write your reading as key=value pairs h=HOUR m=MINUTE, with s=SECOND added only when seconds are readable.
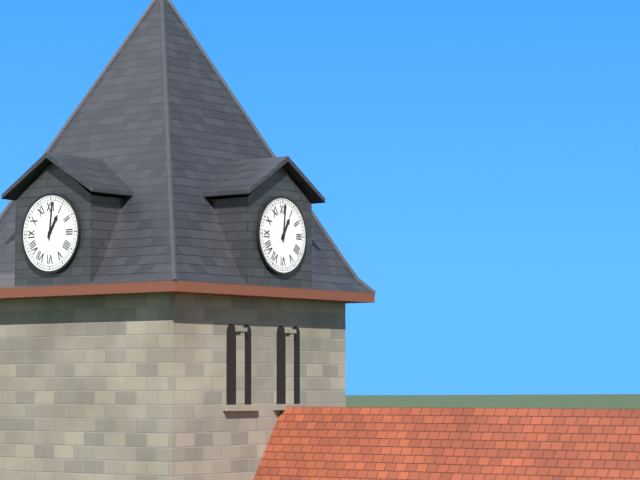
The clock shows h=1 m=1
